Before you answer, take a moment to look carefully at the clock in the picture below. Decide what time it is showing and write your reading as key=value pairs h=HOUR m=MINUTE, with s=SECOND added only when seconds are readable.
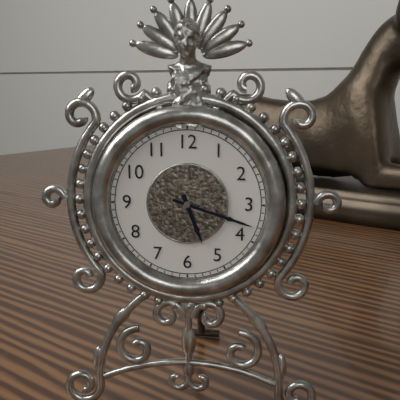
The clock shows h=5 m=18
